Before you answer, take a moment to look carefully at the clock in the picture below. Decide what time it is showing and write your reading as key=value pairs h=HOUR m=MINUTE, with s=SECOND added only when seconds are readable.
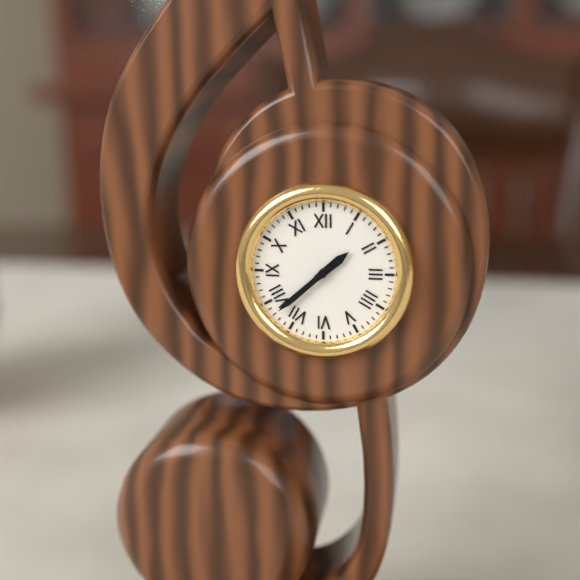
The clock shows h=1 m=38
